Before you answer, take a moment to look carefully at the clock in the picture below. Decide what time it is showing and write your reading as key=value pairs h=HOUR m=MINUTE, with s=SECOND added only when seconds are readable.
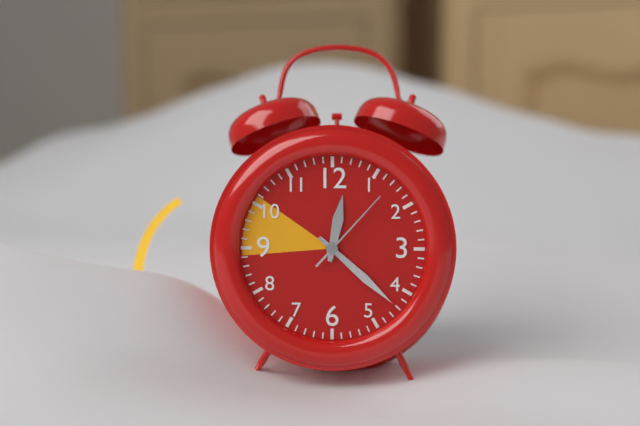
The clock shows h=12 m=22 s=7
